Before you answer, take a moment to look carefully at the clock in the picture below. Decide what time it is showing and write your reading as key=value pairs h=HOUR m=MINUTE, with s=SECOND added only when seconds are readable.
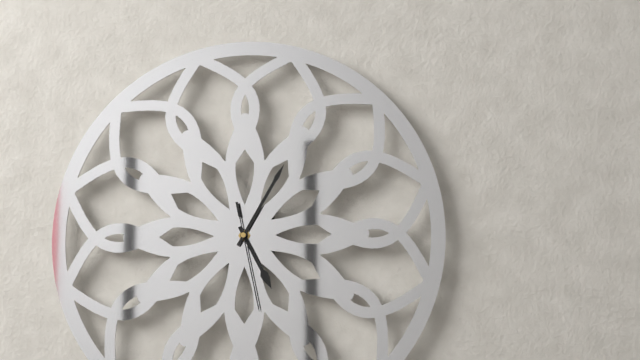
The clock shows h=5 m=5 s=28
